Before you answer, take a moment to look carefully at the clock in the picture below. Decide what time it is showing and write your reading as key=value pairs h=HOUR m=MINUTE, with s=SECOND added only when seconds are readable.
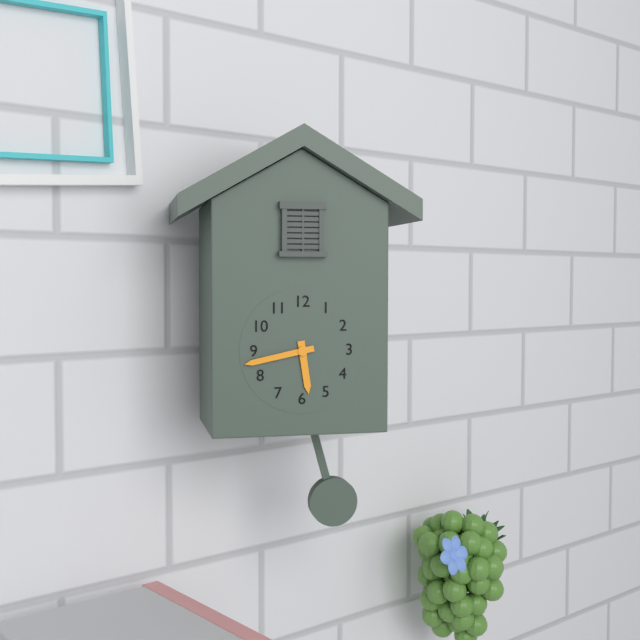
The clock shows h=5 m=43
